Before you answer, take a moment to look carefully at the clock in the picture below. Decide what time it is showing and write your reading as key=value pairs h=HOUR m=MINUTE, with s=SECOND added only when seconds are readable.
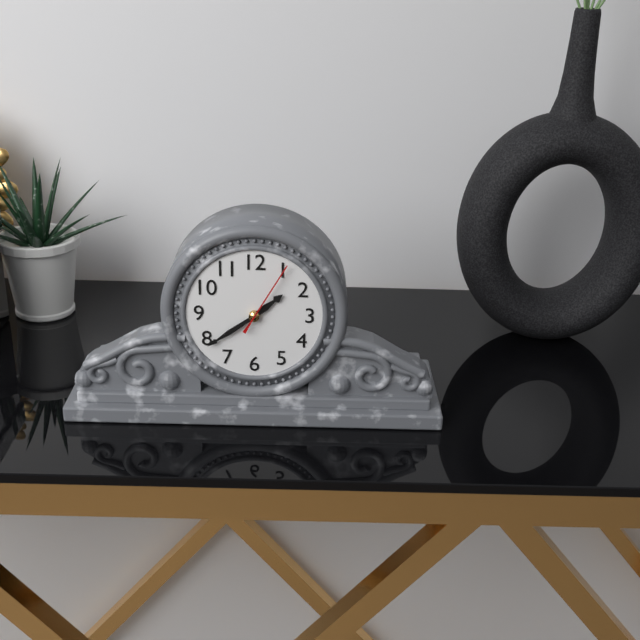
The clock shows h=1 m=39 s=5
